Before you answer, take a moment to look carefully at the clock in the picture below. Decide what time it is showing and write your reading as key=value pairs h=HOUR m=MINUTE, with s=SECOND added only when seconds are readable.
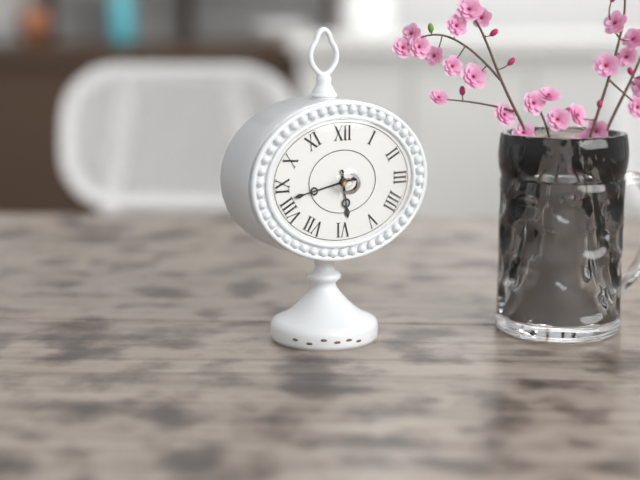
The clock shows h=5 m=43
